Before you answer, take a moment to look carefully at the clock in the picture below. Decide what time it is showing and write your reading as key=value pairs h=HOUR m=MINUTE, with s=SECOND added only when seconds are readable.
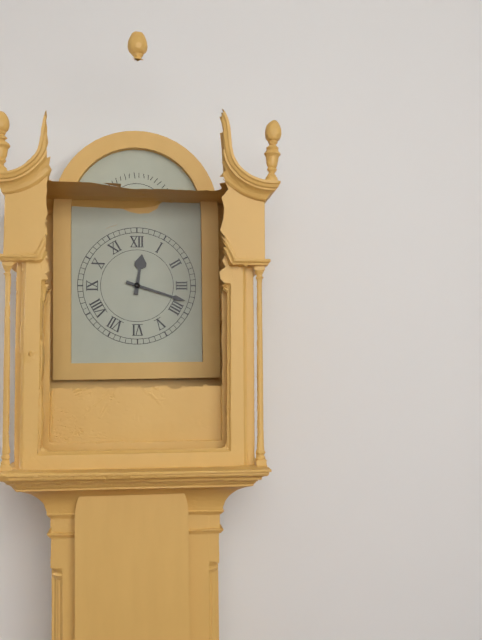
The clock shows h=12 m=18
